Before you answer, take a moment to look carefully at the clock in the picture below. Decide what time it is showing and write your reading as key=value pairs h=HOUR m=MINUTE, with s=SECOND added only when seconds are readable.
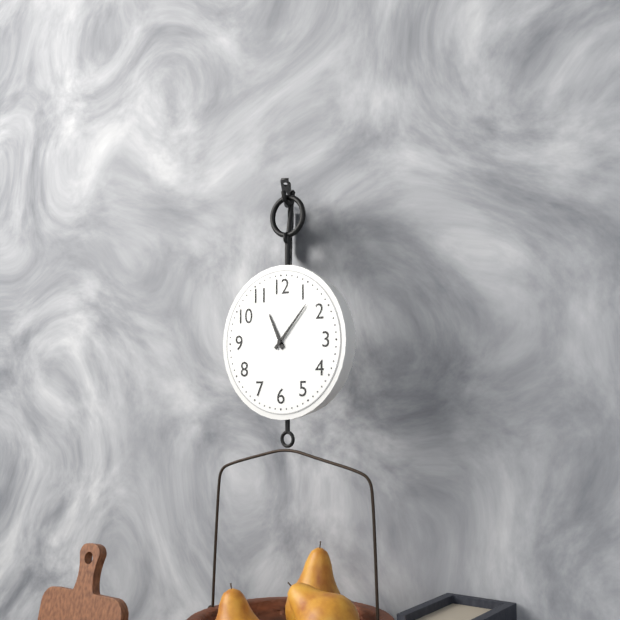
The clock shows h=11 m=7
